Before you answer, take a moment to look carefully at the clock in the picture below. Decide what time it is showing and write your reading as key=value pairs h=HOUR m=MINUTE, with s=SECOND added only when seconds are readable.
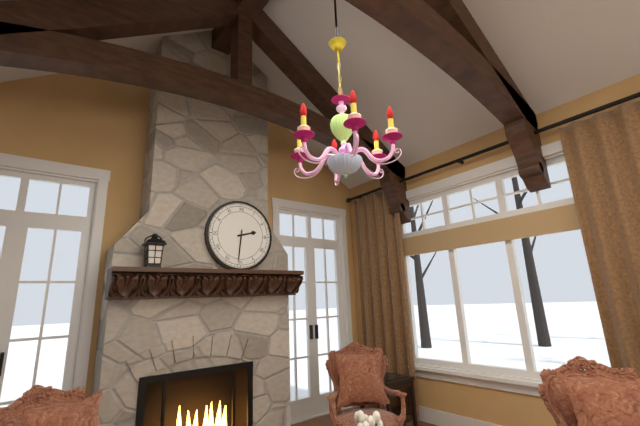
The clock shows h=2 m=31
